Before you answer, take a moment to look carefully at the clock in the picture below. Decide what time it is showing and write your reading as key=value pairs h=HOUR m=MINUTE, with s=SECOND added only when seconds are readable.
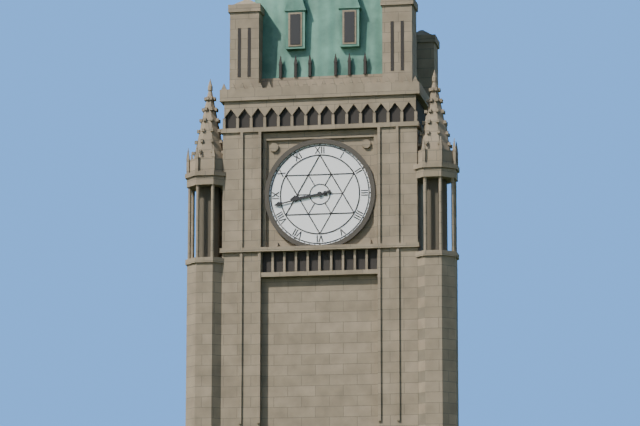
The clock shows h=8 m=43
